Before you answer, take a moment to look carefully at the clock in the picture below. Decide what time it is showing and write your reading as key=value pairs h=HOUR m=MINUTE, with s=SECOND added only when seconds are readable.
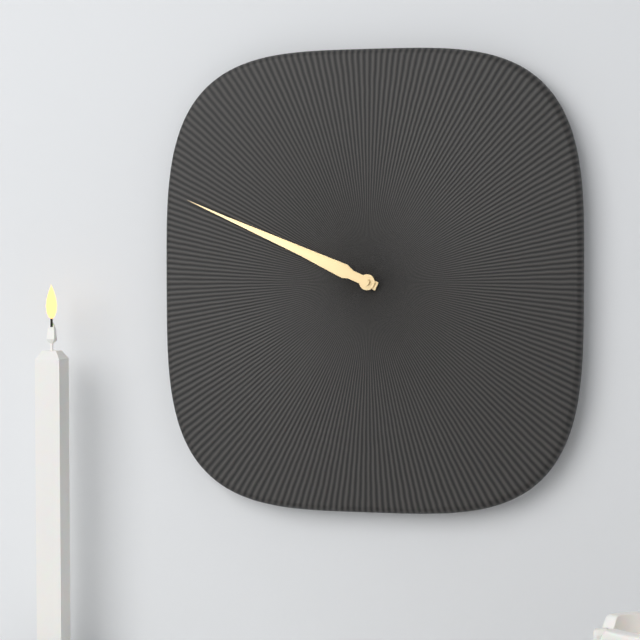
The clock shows h=9 m=49
